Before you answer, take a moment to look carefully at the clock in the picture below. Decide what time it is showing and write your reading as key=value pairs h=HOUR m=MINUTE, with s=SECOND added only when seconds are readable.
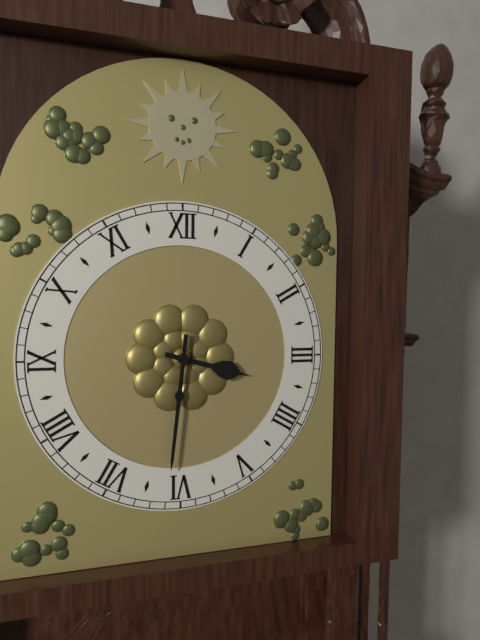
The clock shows h=3 m=31
